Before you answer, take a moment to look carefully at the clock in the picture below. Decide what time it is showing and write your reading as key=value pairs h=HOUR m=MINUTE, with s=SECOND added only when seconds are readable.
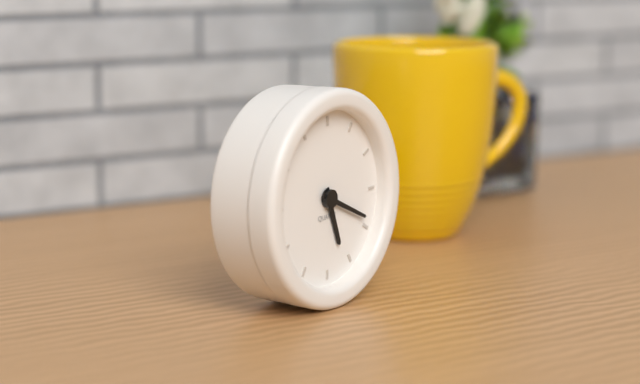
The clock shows h=5 m=19
